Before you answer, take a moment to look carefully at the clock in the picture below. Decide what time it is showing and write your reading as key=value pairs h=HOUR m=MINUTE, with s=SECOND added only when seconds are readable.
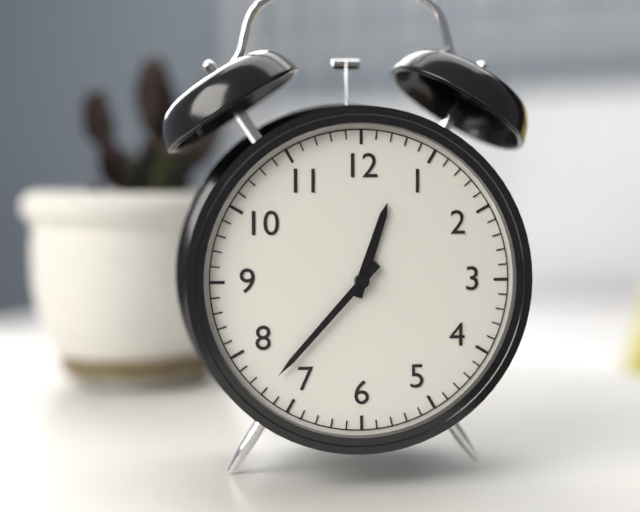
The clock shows h=12 m=37
